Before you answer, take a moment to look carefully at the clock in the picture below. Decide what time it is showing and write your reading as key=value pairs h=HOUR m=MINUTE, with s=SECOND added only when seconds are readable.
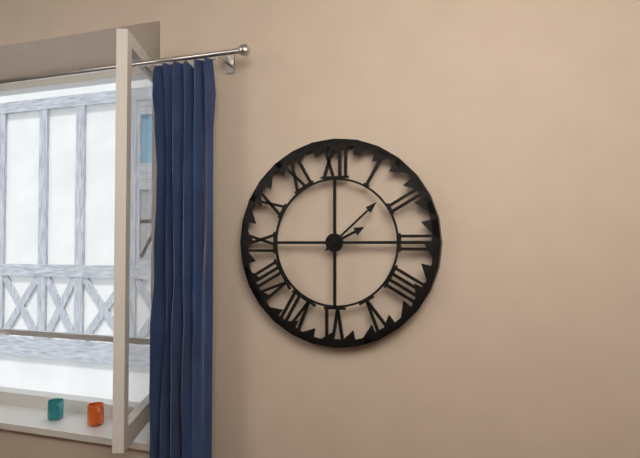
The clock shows h=2 m=8
